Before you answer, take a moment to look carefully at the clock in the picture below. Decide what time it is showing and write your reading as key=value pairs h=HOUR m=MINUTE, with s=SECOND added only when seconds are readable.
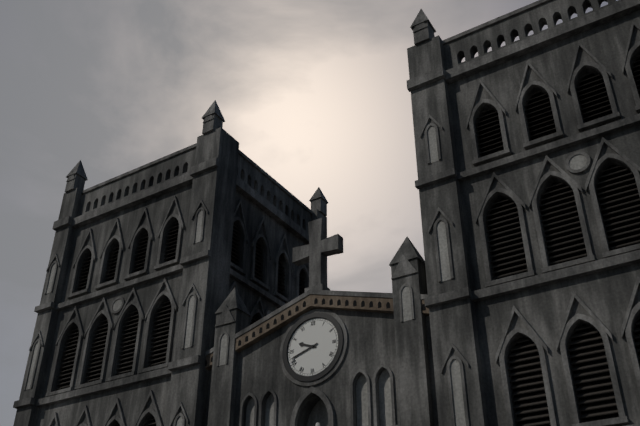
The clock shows h=9 m=42
